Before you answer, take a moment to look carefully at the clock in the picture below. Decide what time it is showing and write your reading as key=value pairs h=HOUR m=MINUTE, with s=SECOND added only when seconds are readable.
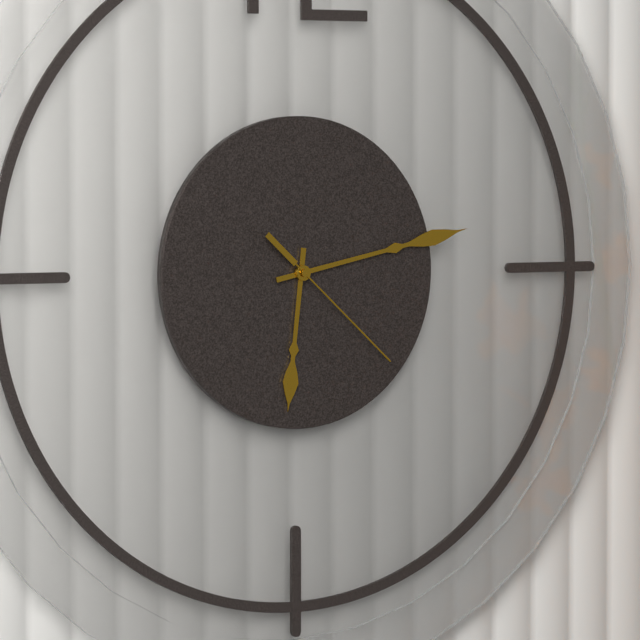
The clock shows h=6 m=13 s=22
